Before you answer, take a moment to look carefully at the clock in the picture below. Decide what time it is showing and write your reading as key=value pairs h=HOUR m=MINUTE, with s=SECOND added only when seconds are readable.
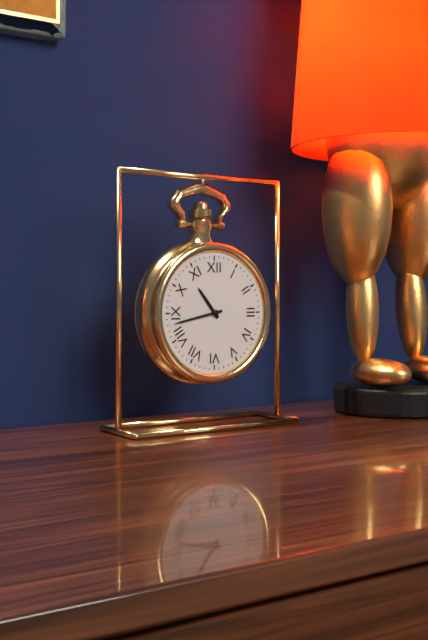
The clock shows h=10 m=43
